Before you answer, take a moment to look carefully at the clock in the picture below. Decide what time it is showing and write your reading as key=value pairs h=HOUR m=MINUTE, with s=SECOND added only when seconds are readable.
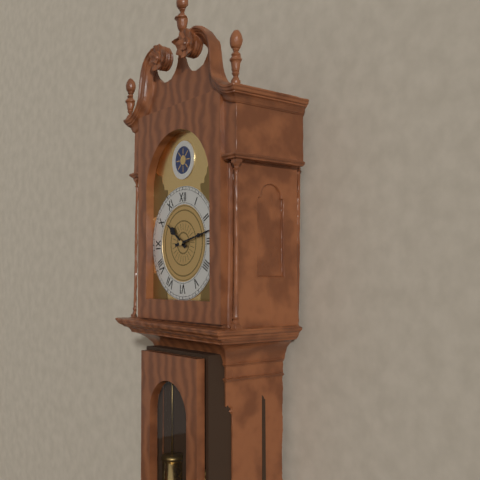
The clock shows h=10 m=13
